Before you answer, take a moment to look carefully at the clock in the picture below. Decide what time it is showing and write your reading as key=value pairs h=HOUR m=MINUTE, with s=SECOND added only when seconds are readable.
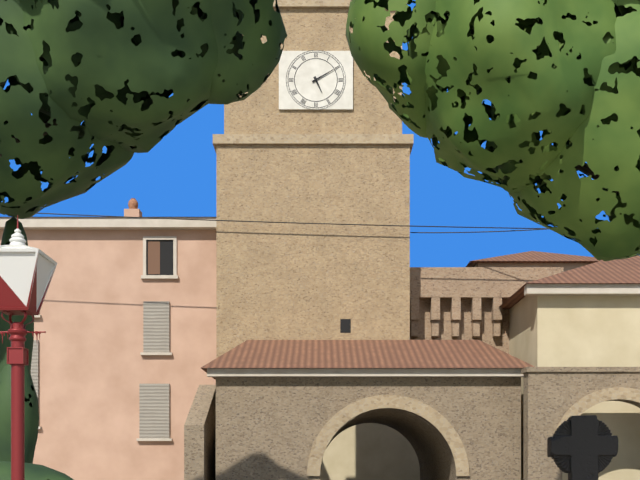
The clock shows h=5 m=10
